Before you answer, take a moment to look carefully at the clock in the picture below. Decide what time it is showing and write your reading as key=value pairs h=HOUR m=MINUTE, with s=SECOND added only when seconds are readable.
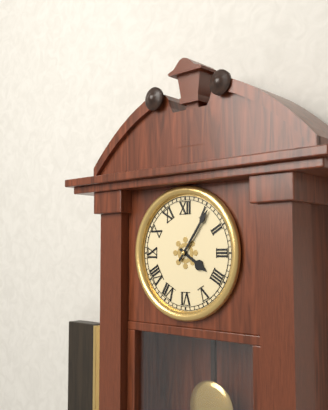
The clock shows h=4 m=6
